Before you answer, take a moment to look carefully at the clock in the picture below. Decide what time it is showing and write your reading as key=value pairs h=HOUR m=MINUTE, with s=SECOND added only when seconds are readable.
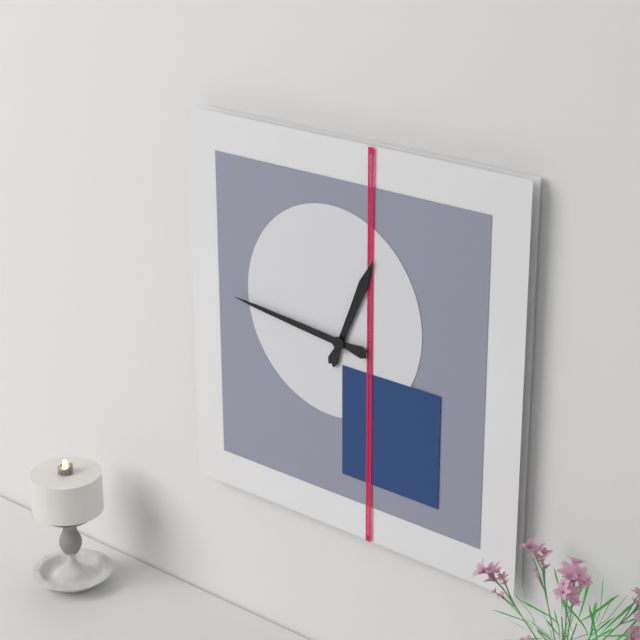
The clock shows h=12 m=46
